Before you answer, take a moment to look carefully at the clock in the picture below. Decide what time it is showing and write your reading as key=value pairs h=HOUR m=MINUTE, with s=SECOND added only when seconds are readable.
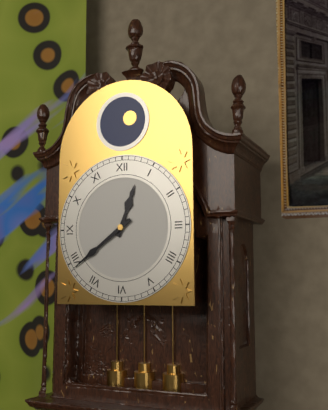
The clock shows h=12 m=39
